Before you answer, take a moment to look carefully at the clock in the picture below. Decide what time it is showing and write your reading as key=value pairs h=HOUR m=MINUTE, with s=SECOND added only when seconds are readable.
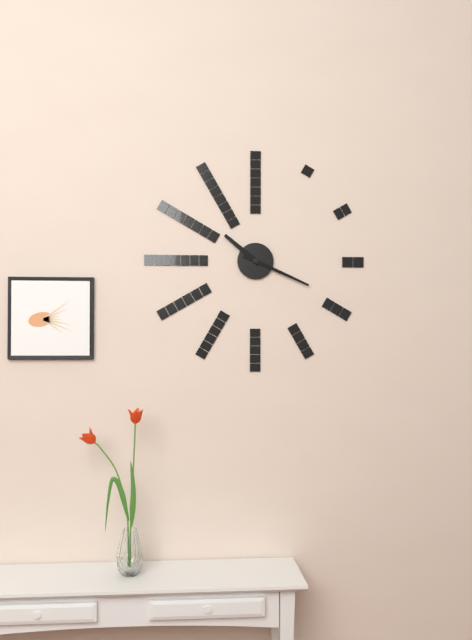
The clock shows h=10 m=19
